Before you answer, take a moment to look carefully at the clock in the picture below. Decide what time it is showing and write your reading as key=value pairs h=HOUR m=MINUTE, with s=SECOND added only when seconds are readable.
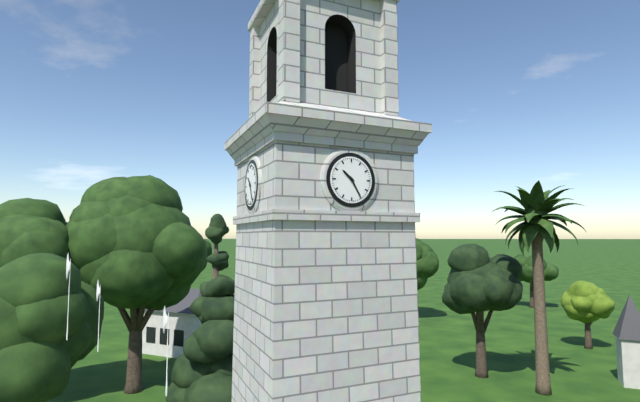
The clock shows h=10 m=25
